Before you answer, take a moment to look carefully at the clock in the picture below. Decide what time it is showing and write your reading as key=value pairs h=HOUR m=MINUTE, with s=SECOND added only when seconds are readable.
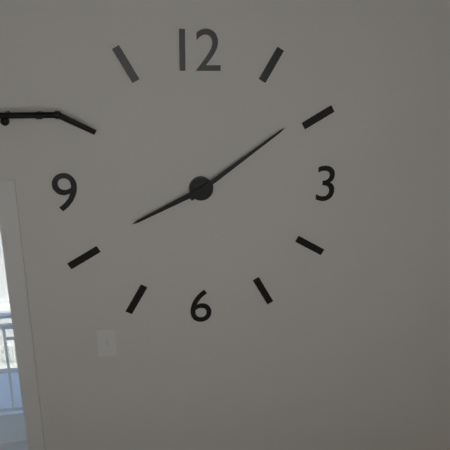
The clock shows h=8 m=9
